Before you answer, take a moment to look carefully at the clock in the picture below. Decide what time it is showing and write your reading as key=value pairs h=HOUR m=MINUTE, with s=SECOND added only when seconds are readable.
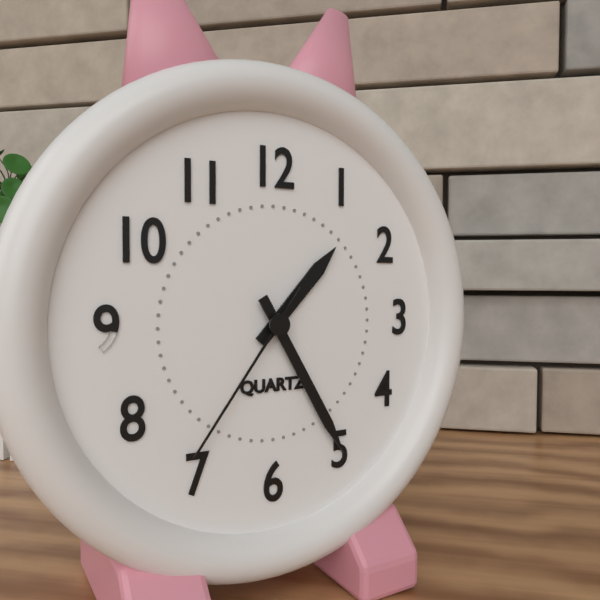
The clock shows h=1 m=25 s=36
